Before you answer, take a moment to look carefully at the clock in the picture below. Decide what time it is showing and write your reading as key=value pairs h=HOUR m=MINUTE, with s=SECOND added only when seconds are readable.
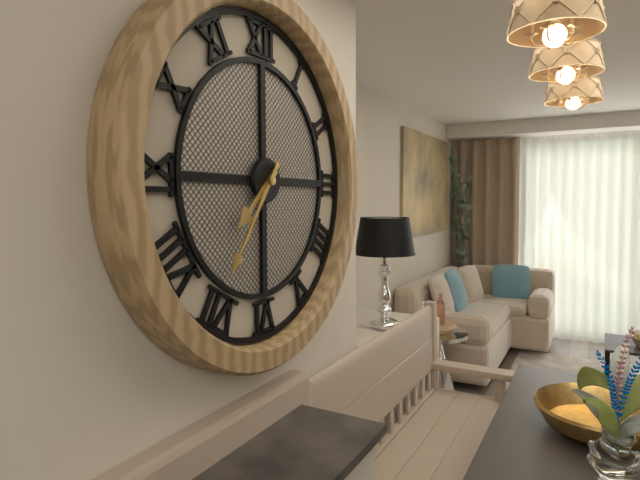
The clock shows h=7 m=36
